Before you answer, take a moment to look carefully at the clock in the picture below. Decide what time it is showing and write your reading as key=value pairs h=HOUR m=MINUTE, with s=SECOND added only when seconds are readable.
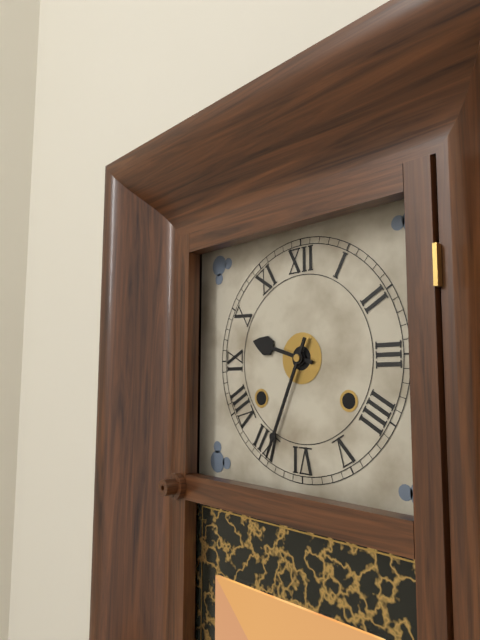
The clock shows h=9 m=34
